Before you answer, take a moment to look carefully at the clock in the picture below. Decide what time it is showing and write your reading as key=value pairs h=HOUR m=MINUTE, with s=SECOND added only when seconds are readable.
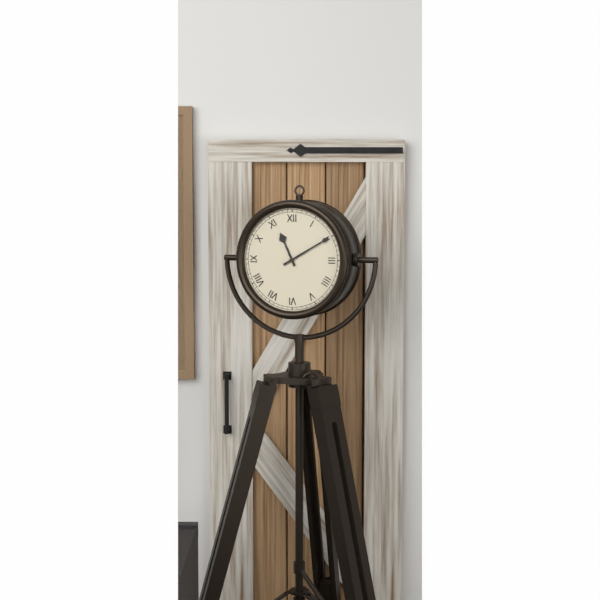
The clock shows h=11 m=10
